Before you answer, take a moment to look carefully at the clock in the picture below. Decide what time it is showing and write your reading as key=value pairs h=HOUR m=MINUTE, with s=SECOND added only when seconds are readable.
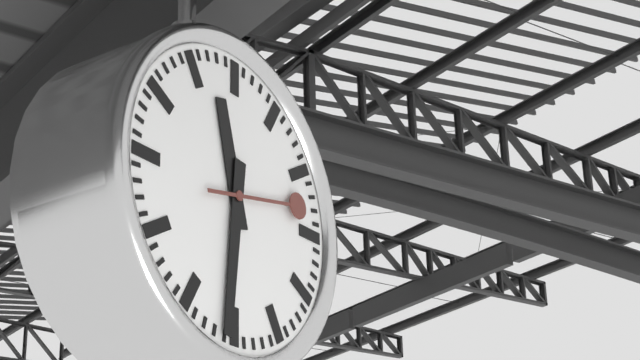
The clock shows h=11 m=31 s=13
